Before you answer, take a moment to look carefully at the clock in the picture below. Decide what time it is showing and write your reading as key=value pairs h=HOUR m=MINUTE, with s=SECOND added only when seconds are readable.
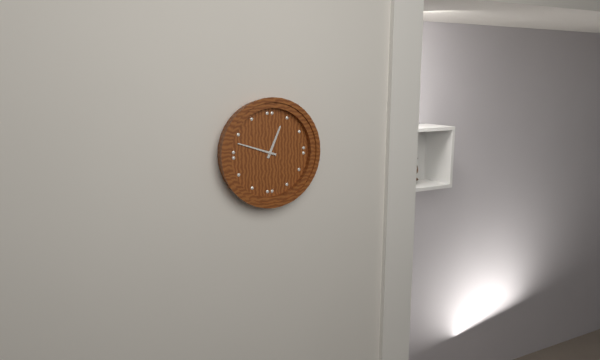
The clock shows h=12 m=48
